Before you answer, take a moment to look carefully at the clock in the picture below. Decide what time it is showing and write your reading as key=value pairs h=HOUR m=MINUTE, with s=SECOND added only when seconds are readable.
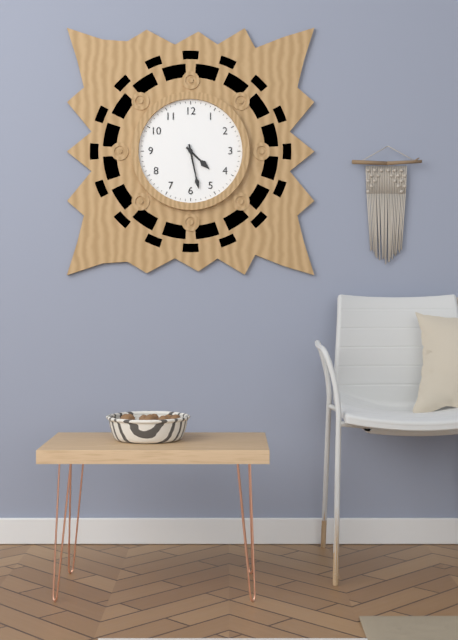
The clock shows h=4 m=28
